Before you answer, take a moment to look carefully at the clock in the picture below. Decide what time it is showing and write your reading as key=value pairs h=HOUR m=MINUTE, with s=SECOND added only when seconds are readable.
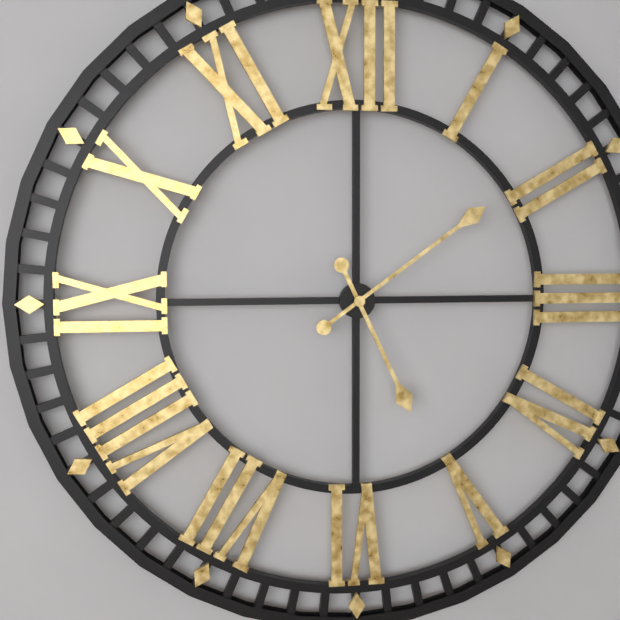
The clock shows h=5 m=9
